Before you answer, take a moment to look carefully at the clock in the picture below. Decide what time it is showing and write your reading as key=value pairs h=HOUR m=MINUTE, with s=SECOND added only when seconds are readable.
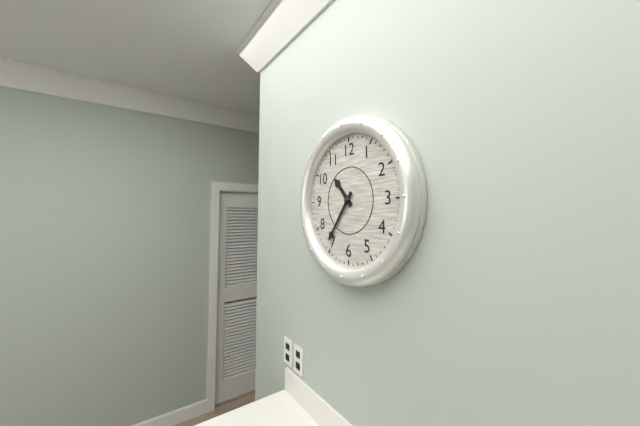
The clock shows h=10 m=36
